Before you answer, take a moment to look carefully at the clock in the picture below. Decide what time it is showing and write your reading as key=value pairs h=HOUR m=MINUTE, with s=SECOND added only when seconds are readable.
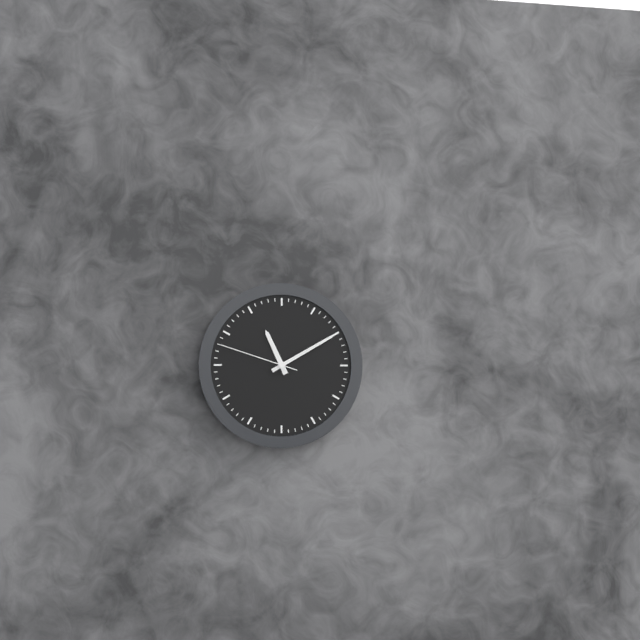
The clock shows h=11 m=10 s=48
